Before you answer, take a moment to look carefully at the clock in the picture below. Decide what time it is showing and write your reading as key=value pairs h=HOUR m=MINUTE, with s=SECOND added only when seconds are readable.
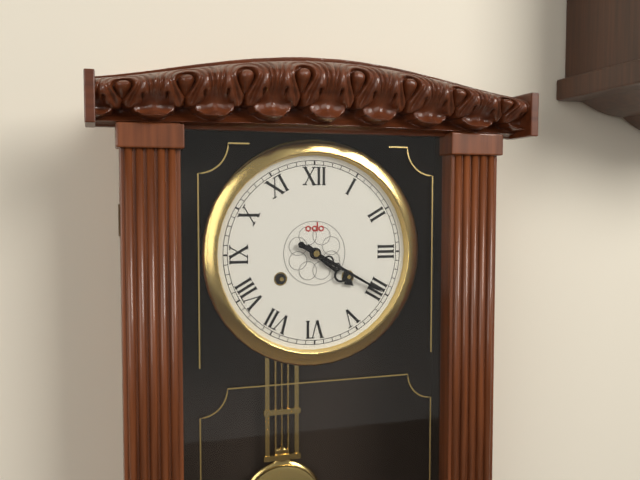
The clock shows h=4 m=20
